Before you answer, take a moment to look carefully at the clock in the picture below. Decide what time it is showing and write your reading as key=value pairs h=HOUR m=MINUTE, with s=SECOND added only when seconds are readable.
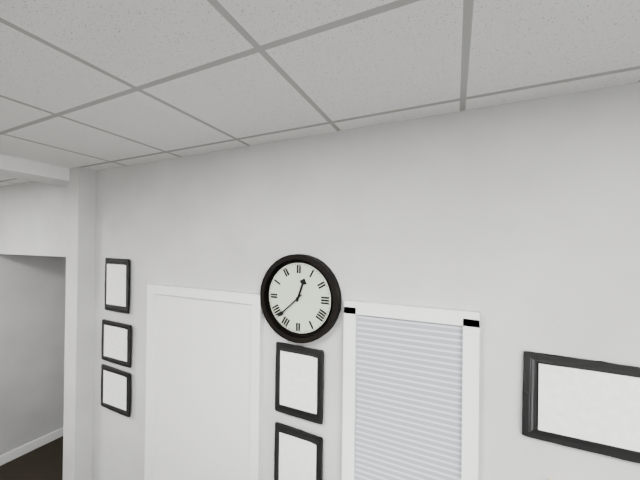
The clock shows h=12 m=38
